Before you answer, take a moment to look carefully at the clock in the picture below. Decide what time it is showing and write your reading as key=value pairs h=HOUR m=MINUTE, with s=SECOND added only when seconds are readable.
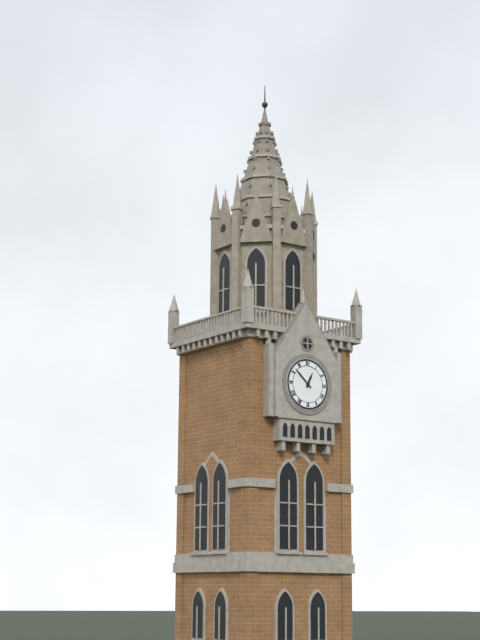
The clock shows h=12 m=52
